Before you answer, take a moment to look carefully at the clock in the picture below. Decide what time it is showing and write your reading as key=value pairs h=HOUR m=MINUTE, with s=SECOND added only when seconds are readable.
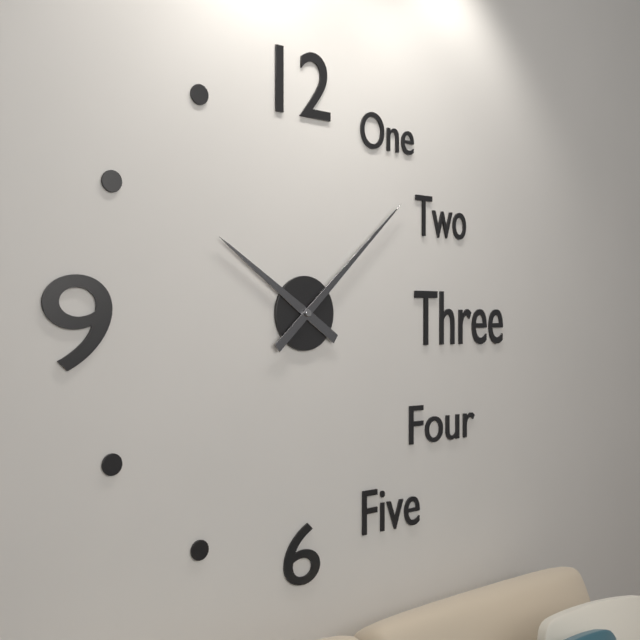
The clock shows h=10 m=8
